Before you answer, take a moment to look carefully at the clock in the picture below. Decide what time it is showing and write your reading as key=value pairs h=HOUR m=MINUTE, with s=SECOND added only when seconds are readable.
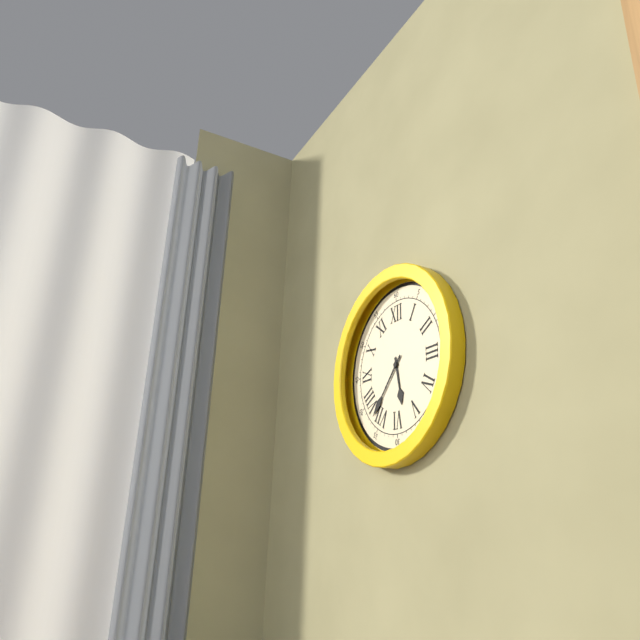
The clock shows h=5 m=37
